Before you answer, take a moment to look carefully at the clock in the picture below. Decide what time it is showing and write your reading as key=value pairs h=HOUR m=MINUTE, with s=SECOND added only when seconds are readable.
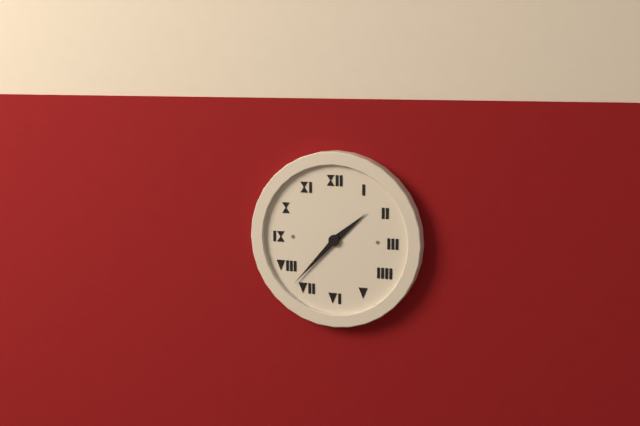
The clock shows h=1 m=37
